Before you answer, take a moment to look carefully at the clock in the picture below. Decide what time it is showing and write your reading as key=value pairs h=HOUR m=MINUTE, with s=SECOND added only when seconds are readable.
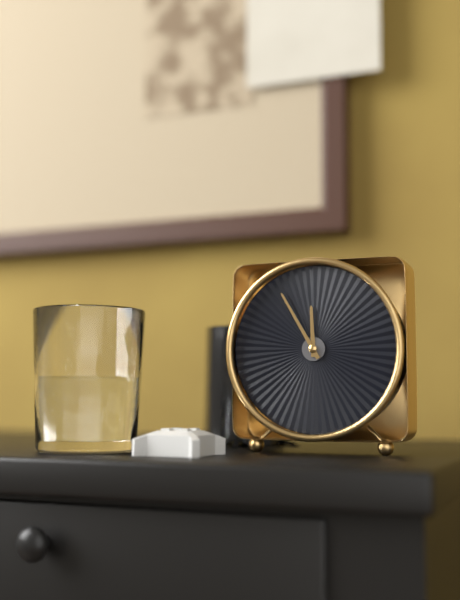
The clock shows h=11 m=55
